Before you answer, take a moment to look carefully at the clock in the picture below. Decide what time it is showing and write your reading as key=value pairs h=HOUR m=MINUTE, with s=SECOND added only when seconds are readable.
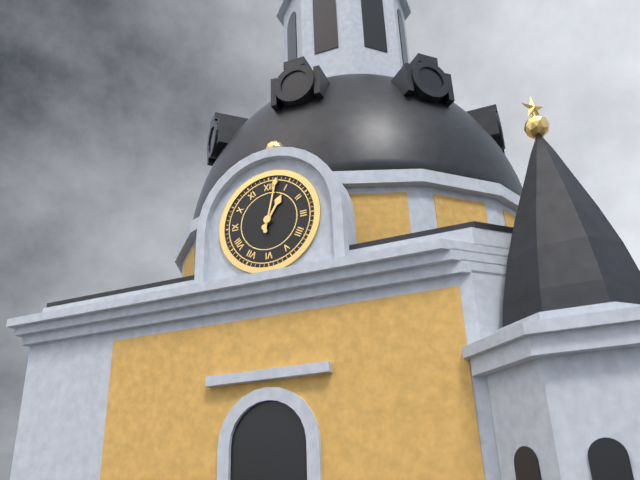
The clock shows h=1 m=2
